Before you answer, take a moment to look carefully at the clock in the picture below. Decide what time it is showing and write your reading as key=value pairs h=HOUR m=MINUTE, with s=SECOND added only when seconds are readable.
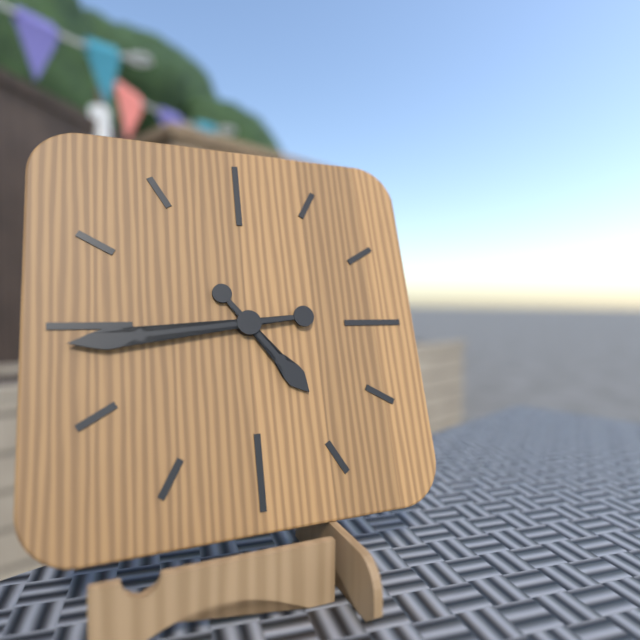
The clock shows h=4 m=44
